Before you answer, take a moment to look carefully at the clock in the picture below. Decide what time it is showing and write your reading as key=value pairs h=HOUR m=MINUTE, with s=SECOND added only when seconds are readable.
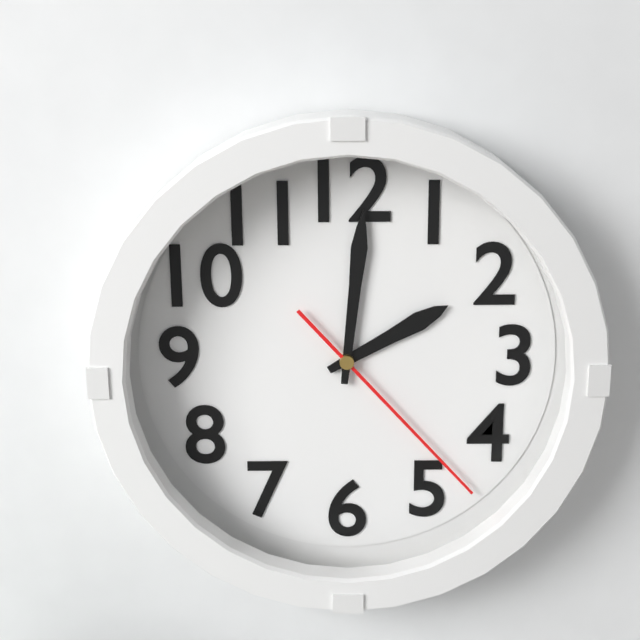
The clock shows h=2 m=1 s=23
